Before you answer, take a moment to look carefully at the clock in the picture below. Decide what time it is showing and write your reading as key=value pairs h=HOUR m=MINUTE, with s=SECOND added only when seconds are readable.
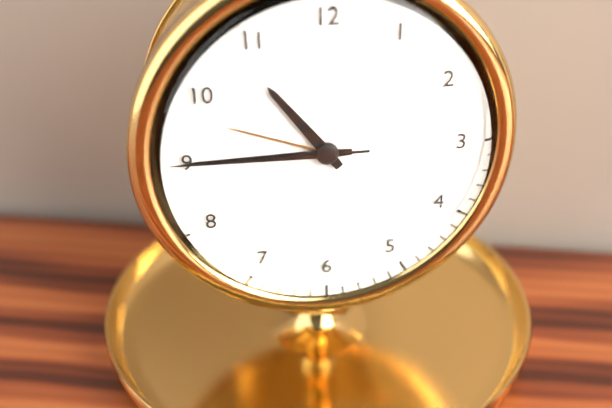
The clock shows h=10 m=45 s=45
